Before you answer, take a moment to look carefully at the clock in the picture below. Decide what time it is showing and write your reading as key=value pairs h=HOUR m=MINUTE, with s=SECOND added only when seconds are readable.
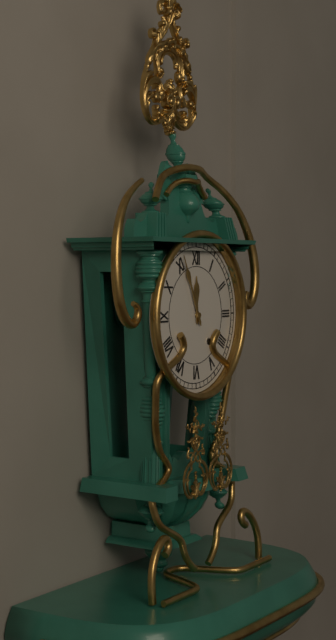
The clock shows h=11 m=56
